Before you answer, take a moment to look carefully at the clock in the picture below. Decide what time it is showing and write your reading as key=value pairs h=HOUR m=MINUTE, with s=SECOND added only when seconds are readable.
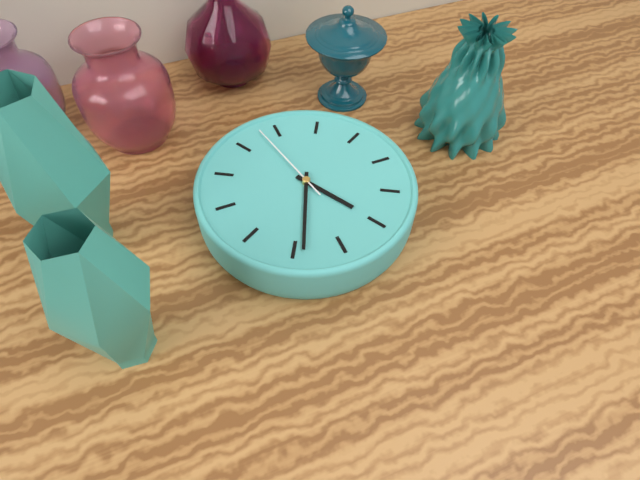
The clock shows h=9 m=59 s=23
